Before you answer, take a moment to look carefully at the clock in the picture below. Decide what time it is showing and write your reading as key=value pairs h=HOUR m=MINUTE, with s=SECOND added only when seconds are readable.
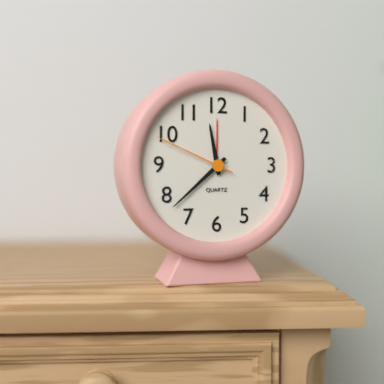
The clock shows h=11 m=38 s=49
